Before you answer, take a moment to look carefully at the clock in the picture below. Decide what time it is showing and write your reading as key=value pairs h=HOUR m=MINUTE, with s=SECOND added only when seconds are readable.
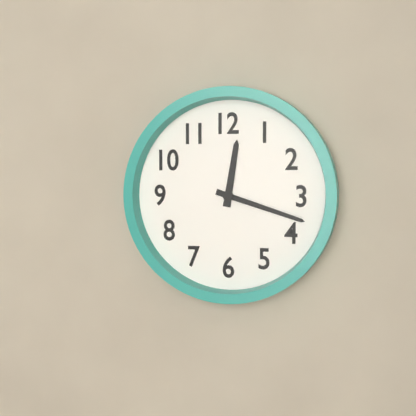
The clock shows h=12 m=18
